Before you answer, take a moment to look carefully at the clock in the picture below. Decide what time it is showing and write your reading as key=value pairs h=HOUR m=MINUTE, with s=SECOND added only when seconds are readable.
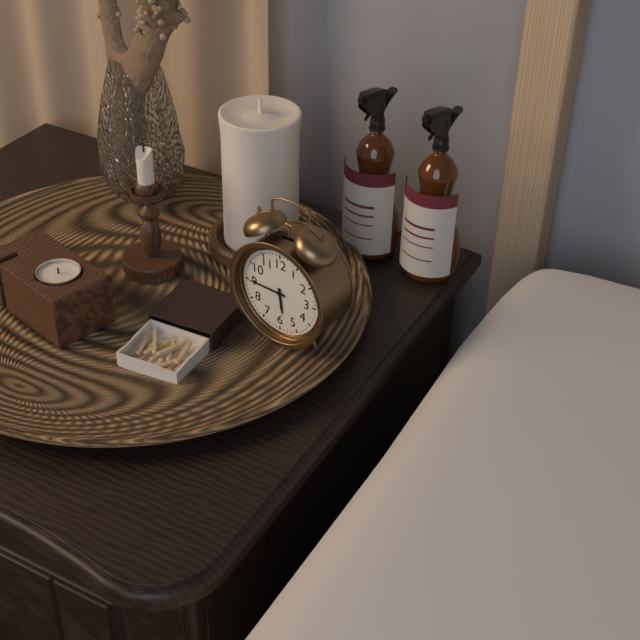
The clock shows h=5 m=45
